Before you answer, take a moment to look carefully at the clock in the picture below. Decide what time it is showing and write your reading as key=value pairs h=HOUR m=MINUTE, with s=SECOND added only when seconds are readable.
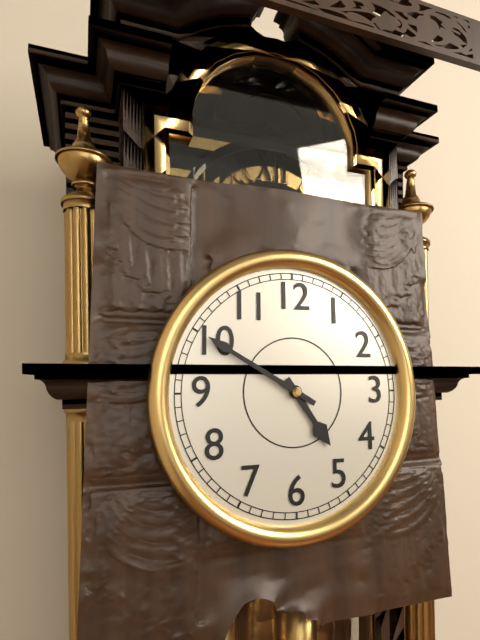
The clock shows h=4 m=50
